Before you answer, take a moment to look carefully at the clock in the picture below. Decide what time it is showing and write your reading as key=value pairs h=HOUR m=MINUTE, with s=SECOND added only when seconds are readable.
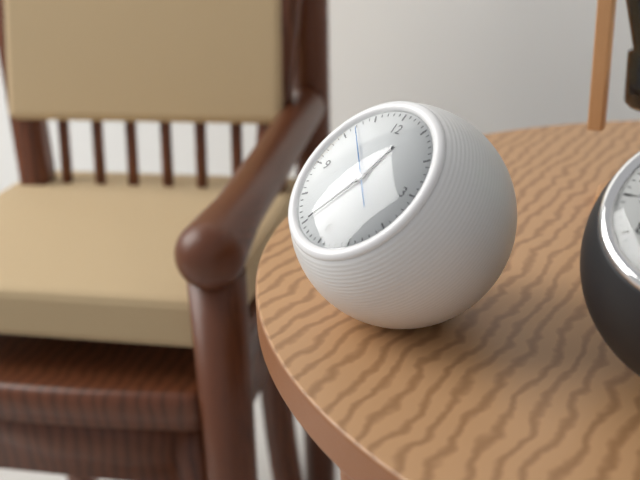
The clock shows h=12 m=35 s=52
